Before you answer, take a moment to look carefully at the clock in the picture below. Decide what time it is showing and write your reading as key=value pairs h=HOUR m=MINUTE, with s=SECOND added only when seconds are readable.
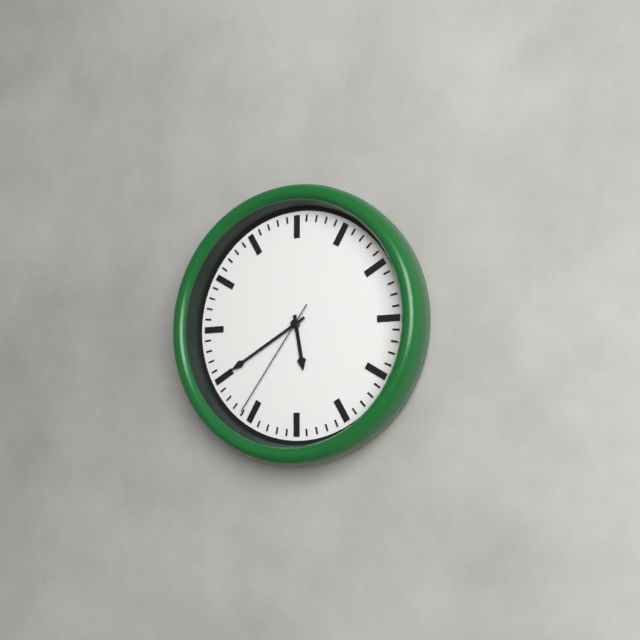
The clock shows h=5 m=40 s=36
